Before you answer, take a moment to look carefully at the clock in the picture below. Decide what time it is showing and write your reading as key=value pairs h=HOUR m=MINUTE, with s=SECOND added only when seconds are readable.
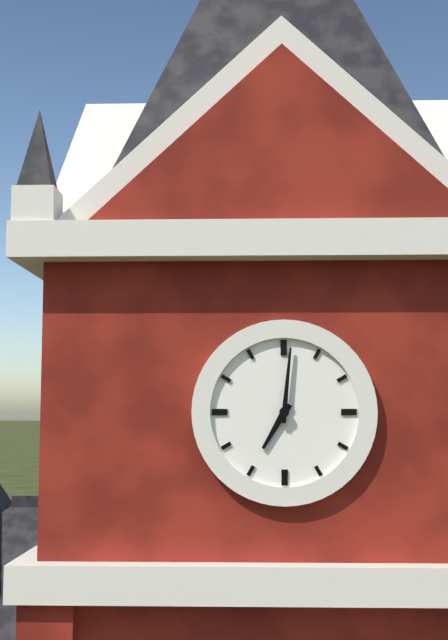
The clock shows h=7 m=1
